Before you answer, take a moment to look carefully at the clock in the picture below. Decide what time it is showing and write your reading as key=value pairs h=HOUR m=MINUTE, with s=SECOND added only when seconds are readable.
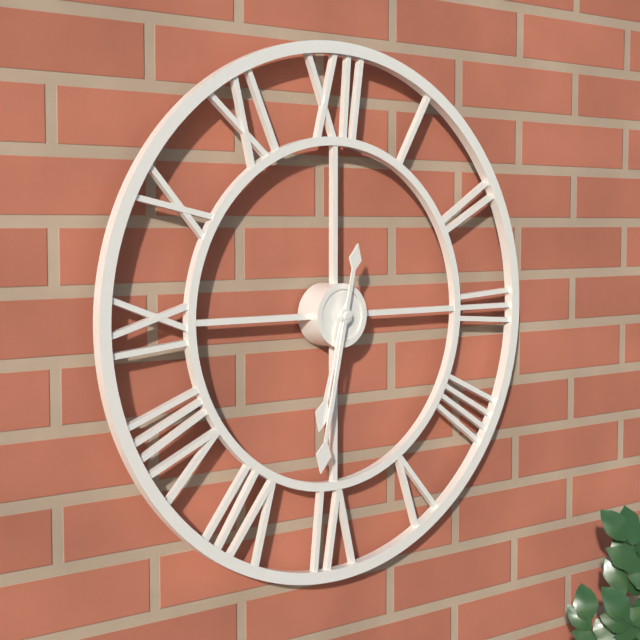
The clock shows h=6 m=32
